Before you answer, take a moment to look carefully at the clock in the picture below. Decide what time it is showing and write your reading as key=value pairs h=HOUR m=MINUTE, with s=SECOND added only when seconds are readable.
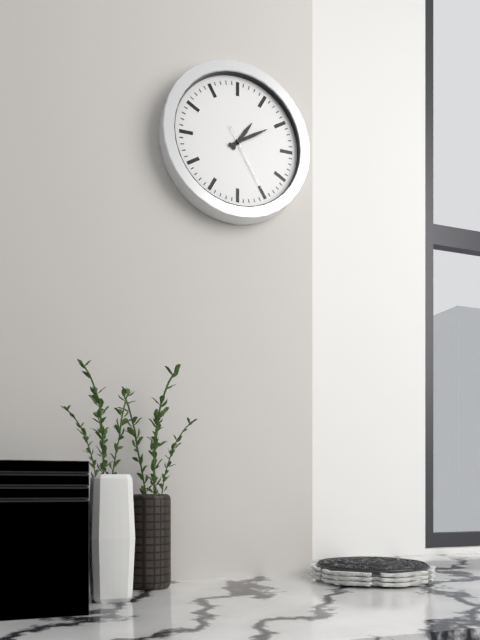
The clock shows h=1 m=10 s=25
